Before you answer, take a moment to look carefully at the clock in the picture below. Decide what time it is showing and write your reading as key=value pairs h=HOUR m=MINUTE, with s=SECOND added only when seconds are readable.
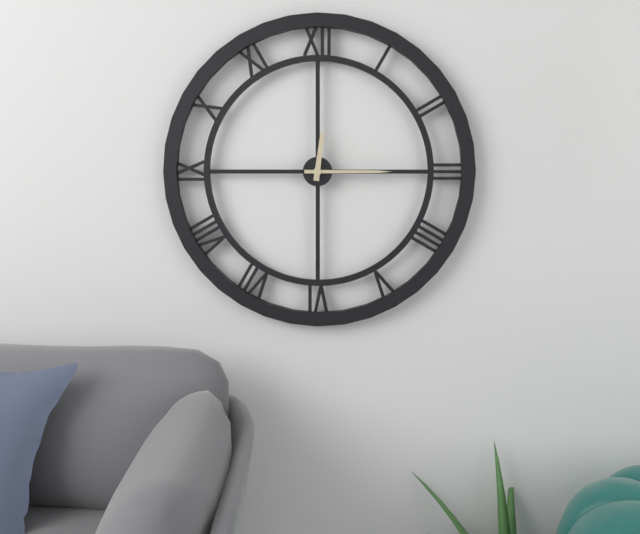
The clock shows h=12 m=15
